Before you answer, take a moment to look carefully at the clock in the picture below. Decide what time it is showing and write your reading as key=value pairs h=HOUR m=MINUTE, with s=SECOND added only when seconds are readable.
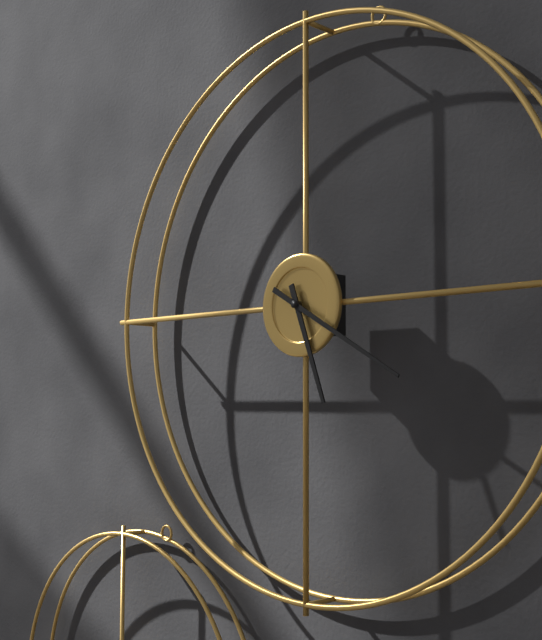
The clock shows h=5 m=20
